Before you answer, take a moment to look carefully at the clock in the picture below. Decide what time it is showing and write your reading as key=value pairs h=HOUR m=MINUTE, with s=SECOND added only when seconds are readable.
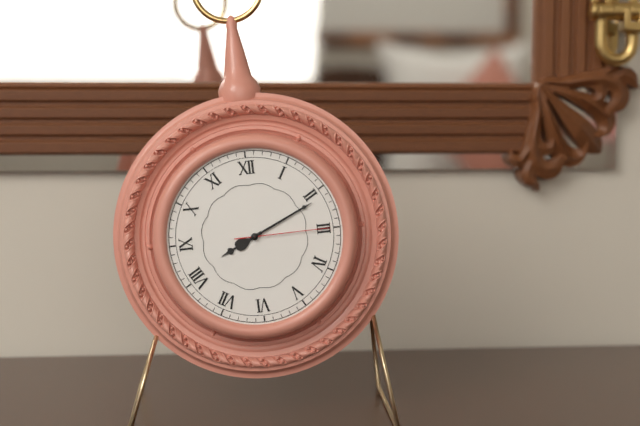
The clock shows h=8 m=11 s=15
